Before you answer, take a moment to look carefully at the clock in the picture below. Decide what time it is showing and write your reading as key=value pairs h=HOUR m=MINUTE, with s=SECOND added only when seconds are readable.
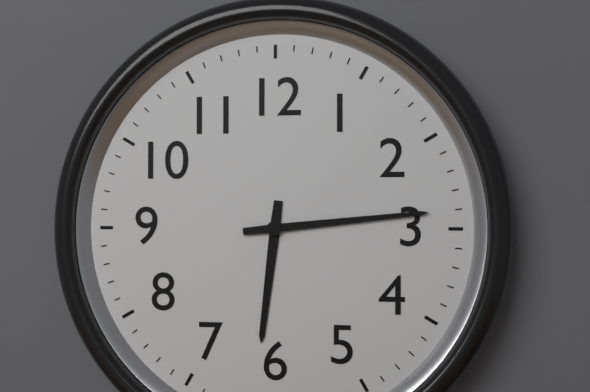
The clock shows h=6 m=14
